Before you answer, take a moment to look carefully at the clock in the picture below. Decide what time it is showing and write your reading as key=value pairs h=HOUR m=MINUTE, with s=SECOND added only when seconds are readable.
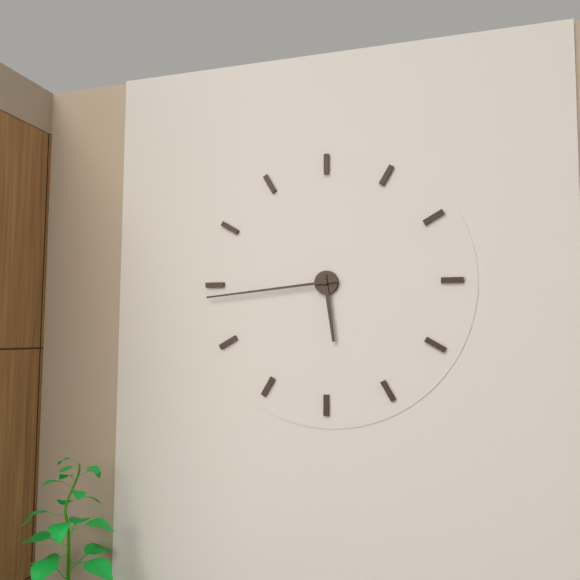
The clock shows h=5 m=44
